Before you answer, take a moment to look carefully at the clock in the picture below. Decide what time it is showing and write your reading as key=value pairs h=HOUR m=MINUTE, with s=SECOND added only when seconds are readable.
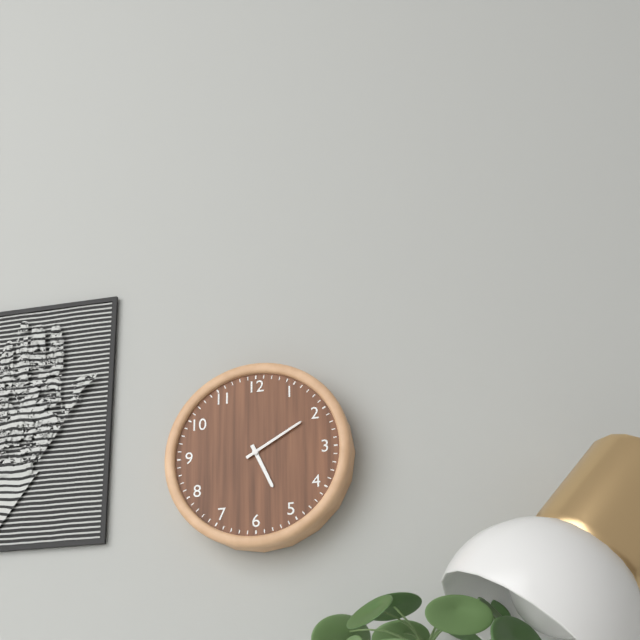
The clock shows h=5 m=10
